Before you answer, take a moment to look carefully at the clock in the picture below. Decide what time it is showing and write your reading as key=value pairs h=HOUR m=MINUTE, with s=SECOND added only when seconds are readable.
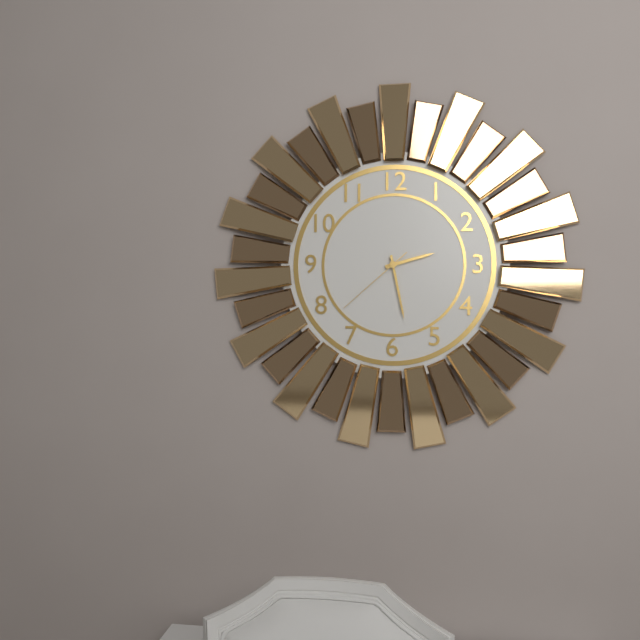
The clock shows h=2 m=28 s=38
